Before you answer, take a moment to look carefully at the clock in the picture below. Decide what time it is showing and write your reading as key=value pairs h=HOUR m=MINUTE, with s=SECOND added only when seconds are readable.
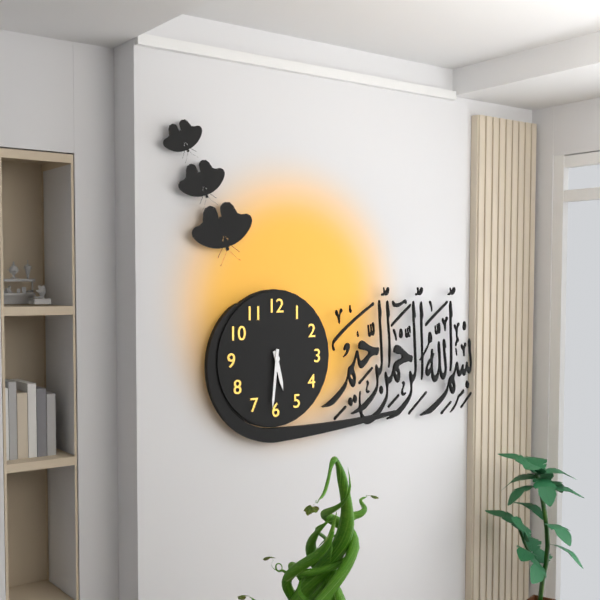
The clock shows h=5 m=31
